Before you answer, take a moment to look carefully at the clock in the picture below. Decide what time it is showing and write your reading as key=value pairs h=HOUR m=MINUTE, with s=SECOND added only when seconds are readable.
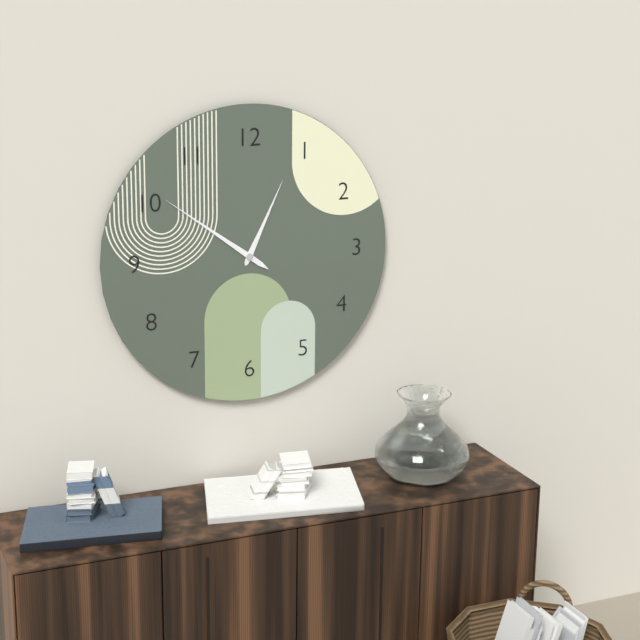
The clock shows h=12 m=51
